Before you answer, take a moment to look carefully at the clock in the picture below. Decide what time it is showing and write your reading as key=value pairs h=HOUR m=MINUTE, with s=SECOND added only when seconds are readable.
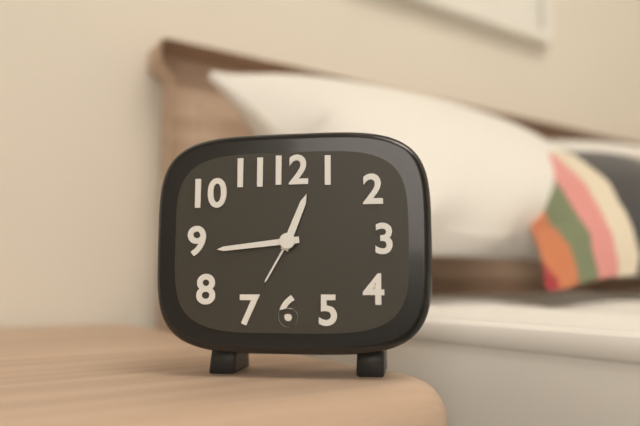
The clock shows h=12 m=44
